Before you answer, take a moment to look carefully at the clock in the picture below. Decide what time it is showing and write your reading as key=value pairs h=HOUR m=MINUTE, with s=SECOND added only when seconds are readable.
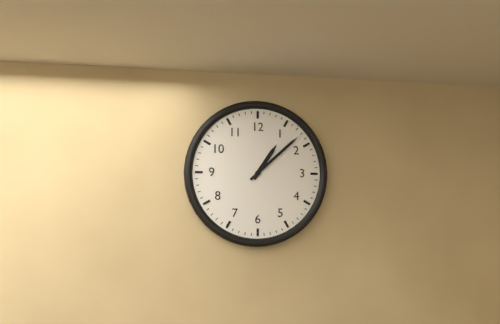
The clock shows h=1 m=8
